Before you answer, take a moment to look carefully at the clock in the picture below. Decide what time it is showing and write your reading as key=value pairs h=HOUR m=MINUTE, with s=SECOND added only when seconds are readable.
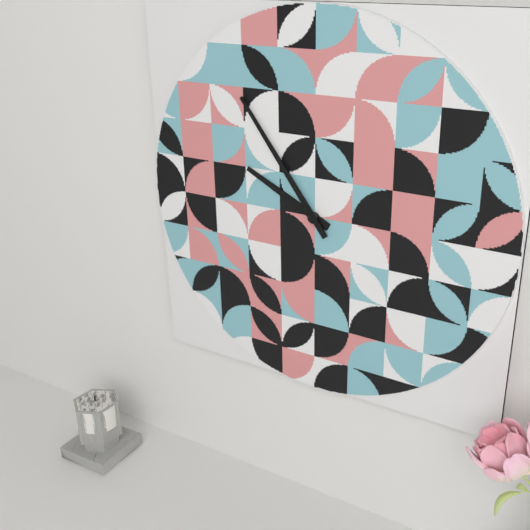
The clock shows h=9 m=54
